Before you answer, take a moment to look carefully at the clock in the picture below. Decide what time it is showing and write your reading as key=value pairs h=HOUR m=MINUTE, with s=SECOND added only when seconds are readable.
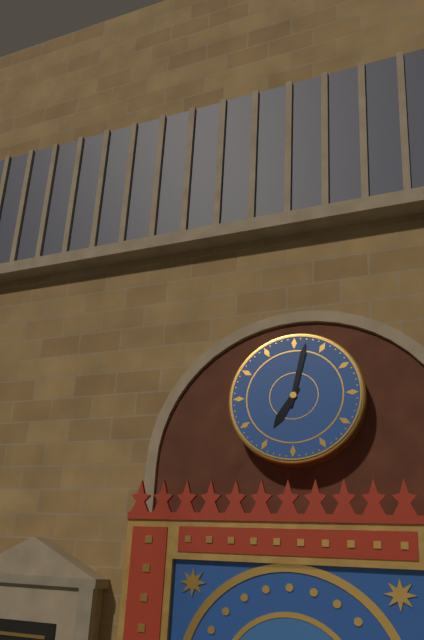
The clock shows h=7 m=2
